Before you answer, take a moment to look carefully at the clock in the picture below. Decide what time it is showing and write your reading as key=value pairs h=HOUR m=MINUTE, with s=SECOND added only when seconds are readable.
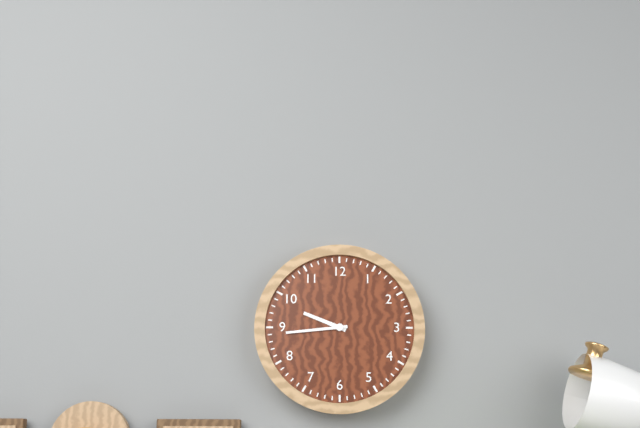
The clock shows h=9 m=44
